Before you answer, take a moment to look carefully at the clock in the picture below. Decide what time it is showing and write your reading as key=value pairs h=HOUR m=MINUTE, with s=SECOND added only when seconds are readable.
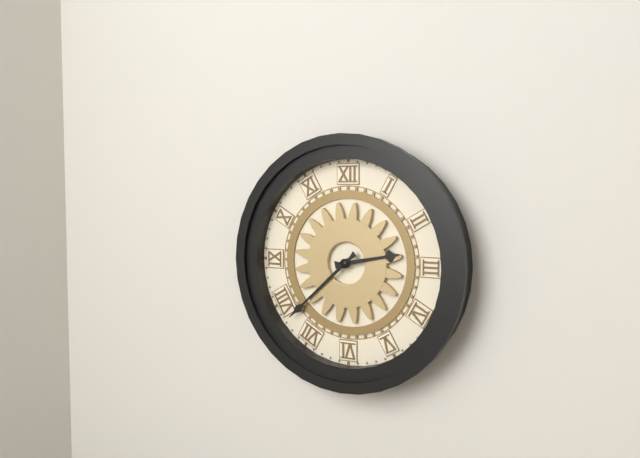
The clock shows h=2 m=38
